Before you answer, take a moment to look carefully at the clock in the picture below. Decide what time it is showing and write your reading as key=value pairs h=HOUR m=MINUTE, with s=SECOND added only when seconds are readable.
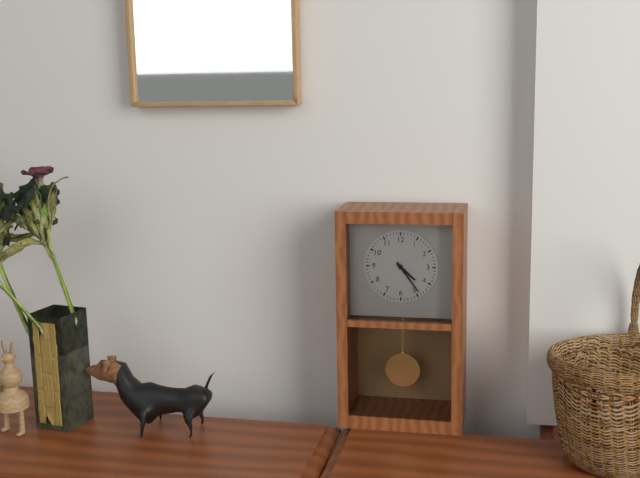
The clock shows h=4 m=24
